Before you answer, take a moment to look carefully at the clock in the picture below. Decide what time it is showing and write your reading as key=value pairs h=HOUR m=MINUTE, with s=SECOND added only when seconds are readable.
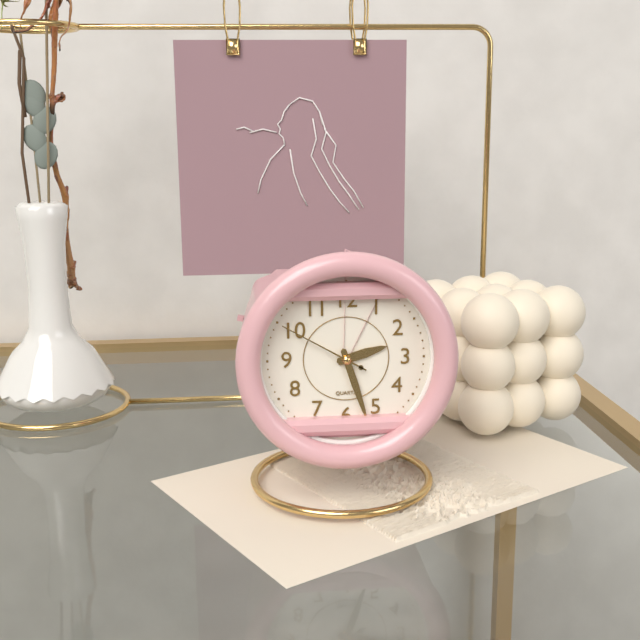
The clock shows h=2 m=27 s=50
